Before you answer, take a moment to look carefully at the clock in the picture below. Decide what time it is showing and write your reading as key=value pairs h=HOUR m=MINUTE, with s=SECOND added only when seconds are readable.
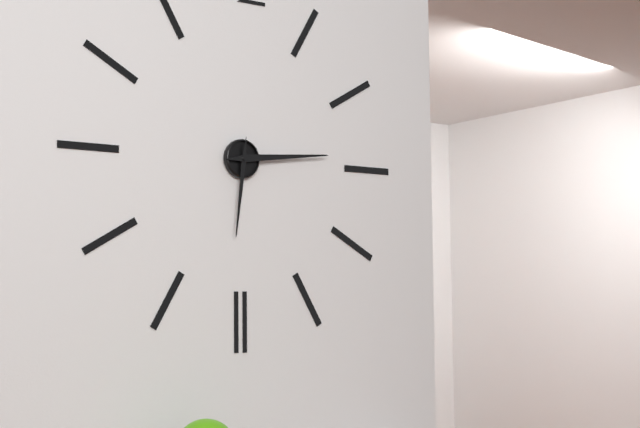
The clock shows h=6 m=14
